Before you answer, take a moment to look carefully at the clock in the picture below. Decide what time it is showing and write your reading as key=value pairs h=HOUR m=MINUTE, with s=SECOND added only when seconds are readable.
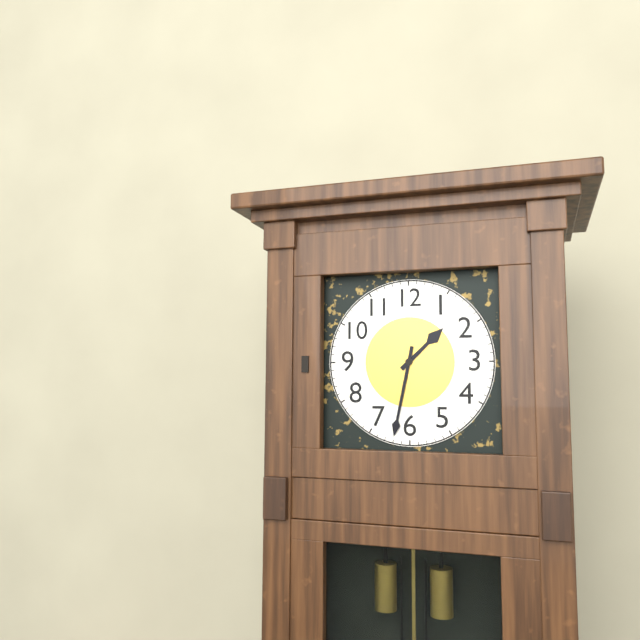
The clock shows h=1 m=32
